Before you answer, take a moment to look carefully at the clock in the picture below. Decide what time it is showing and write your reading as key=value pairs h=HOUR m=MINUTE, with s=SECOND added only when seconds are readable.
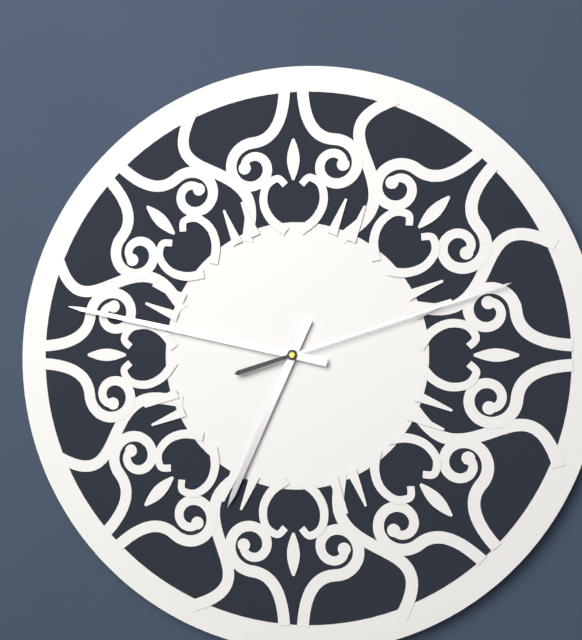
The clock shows h=6 m=47 s=12
